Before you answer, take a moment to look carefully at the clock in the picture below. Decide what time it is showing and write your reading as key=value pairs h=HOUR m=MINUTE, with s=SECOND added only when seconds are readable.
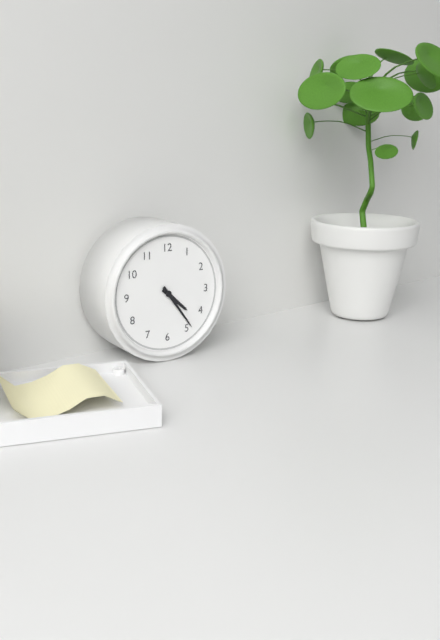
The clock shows h=4 m=24
